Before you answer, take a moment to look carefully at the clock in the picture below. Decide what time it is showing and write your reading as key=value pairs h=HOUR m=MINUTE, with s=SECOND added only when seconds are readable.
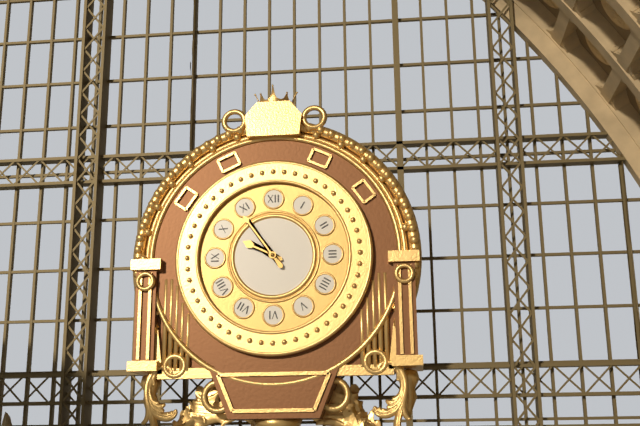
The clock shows h=9 m=54
